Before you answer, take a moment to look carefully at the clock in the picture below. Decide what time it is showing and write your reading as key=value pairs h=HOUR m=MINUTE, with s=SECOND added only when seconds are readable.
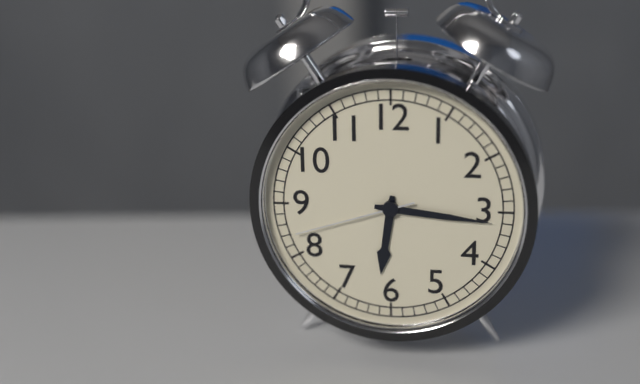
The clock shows h=6 m=16 s=42
